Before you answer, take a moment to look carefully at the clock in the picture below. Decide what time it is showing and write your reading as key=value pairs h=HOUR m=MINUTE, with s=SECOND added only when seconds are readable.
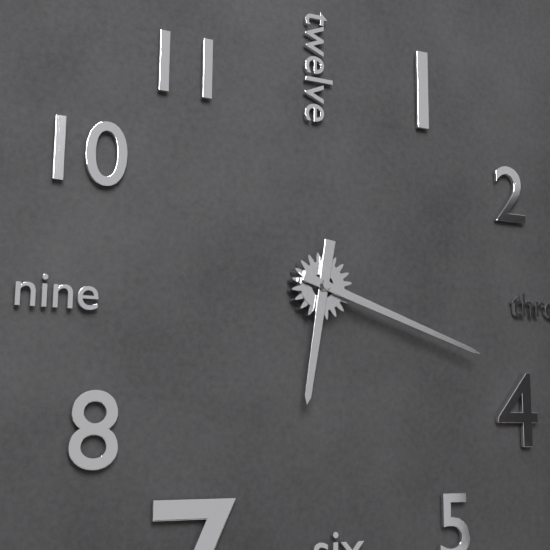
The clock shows h=6 m=18
